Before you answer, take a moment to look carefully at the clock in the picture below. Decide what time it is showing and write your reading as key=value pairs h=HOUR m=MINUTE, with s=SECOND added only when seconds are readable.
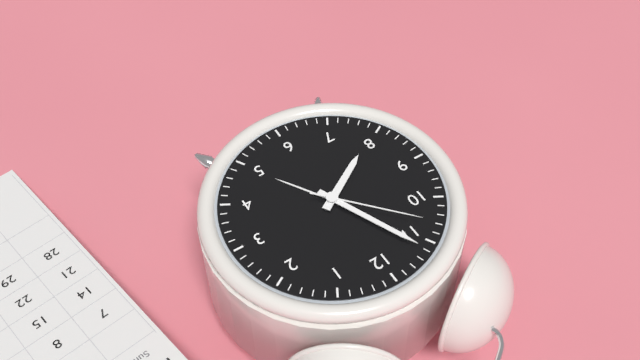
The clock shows h=7 m=56 s=53
